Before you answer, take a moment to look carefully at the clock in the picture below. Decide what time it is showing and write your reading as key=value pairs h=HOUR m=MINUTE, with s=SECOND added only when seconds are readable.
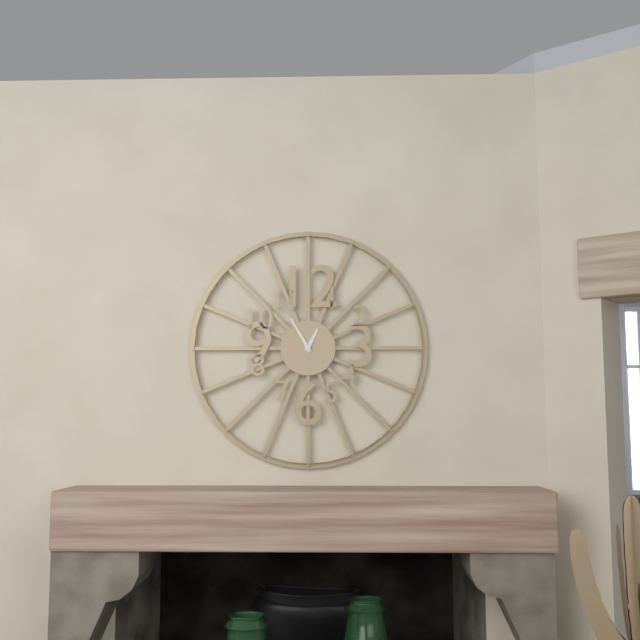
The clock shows h=12 m=55
